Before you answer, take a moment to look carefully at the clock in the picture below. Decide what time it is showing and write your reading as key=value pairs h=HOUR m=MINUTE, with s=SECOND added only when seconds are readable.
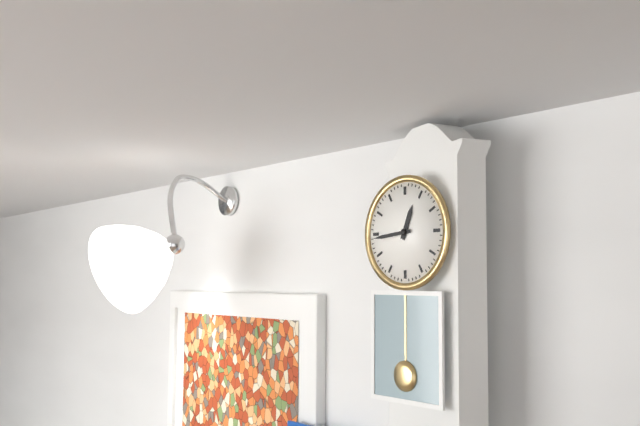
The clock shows h=12 m=44
